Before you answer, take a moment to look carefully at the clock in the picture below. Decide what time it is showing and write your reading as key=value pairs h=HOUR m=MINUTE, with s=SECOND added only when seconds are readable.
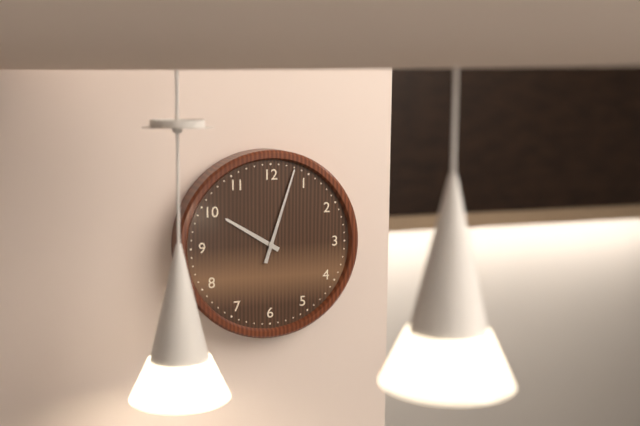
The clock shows h=10 m=3
